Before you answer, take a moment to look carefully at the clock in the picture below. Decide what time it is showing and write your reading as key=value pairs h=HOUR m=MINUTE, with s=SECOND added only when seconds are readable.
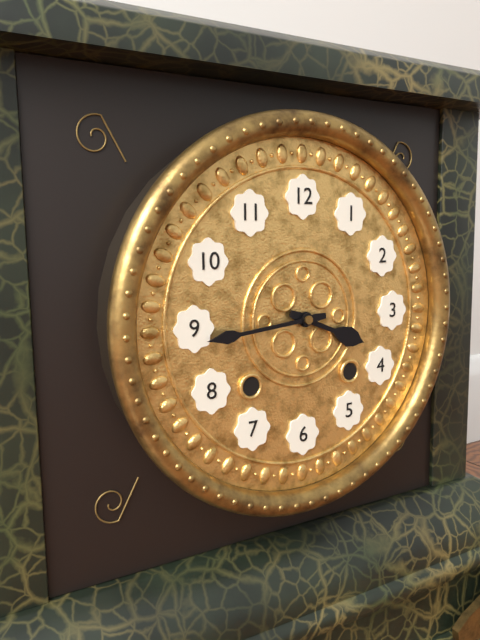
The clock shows h=3 m=44
